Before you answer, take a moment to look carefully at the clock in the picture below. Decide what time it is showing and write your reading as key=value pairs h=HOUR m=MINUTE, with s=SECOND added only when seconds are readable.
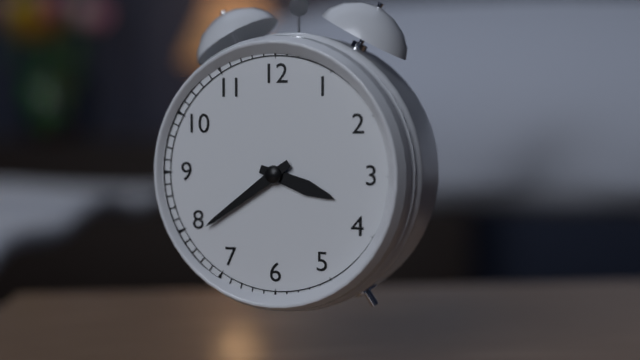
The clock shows h=3 m=39
